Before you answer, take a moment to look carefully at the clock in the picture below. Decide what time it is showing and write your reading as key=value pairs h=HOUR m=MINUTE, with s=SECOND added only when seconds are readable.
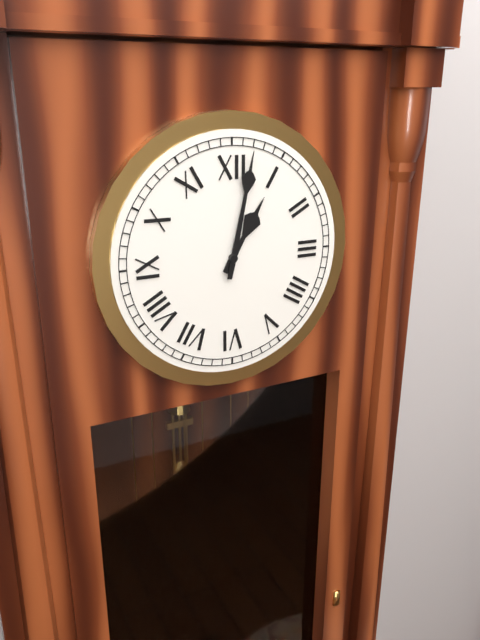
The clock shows h=1 m=2
